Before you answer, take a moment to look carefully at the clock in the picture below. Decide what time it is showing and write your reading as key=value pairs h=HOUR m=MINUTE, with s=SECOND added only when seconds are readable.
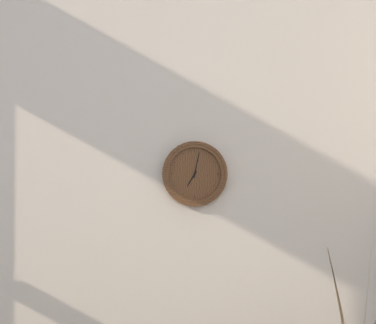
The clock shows h=7 m=2
